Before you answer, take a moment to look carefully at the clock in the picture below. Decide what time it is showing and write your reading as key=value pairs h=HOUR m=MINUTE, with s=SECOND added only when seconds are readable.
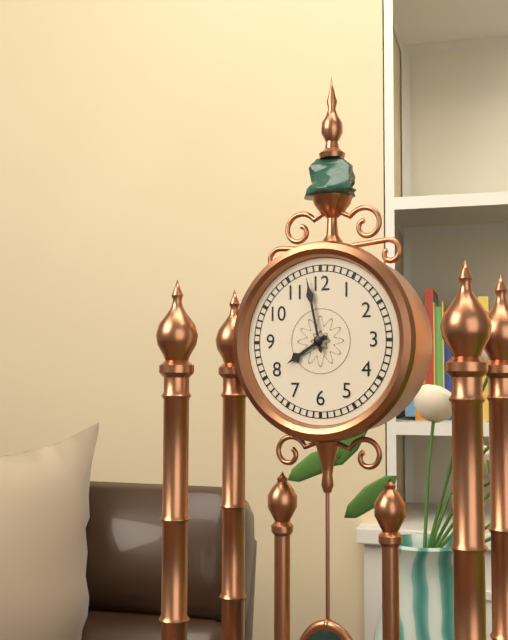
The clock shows h=7 m=58
